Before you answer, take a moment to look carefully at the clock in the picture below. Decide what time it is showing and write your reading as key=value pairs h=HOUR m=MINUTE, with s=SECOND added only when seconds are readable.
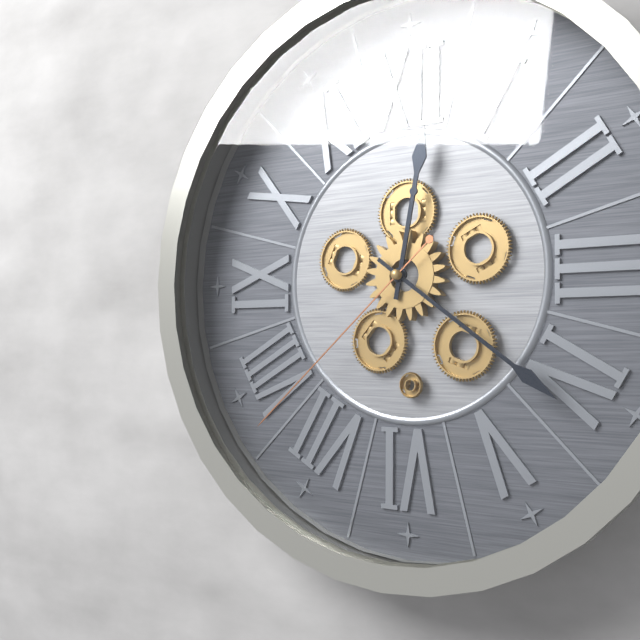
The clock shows h=12 m=21 s=38
